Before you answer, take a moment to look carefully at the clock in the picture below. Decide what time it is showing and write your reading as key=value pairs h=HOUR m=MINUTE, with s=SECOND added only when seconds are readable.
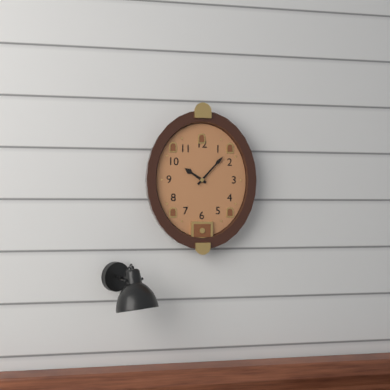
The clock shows h=10 m=7
